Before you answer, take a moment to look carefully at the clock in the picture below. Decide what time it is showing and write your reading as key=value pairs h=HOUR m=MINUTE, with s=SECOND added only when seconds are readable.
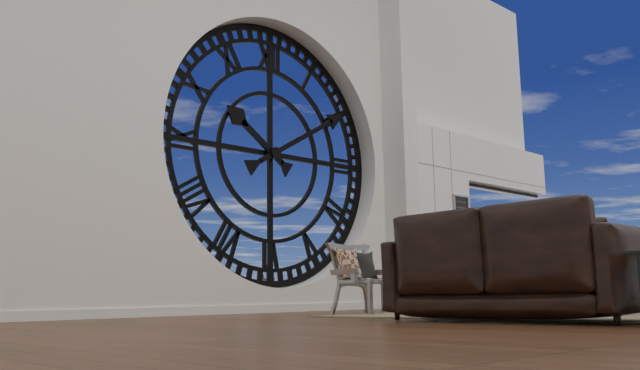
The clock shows h=10 m=10
